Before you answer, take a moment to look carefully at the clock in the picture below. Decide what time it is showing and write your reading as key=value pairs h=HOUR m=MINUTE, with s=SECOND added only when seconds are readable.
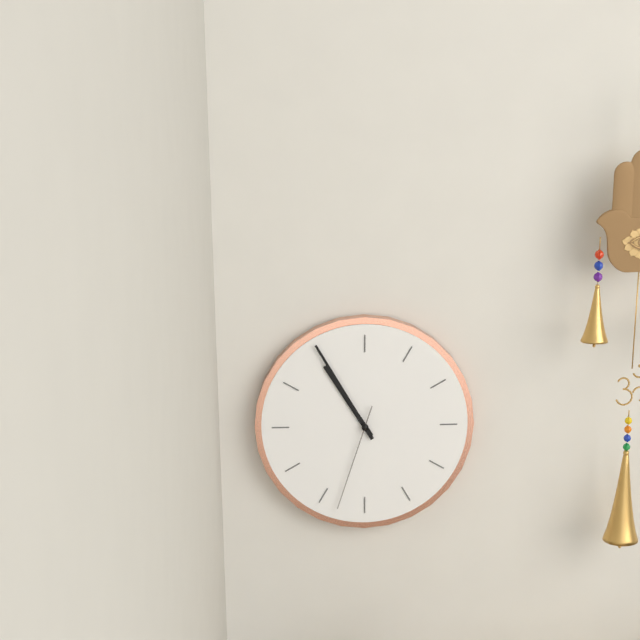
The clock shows h=10 m=55 s=33
